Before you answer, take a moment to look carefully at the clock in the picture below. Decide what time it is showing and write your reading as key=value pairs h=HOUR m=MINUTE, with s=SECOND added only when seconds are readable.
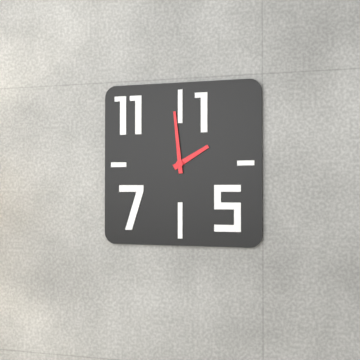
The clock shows h=1 m=59
